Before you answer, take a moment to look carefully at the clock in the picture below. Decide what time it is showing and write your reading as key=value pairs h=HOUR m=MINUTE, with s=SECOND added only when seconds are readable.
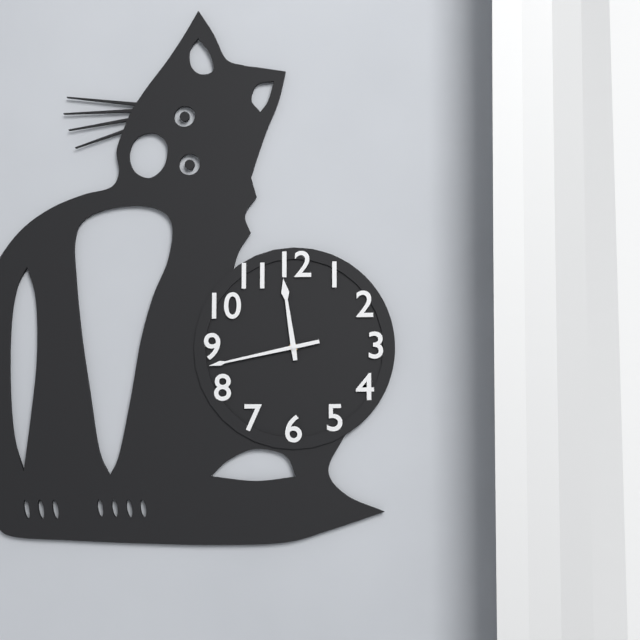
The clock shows h=11 m=43
